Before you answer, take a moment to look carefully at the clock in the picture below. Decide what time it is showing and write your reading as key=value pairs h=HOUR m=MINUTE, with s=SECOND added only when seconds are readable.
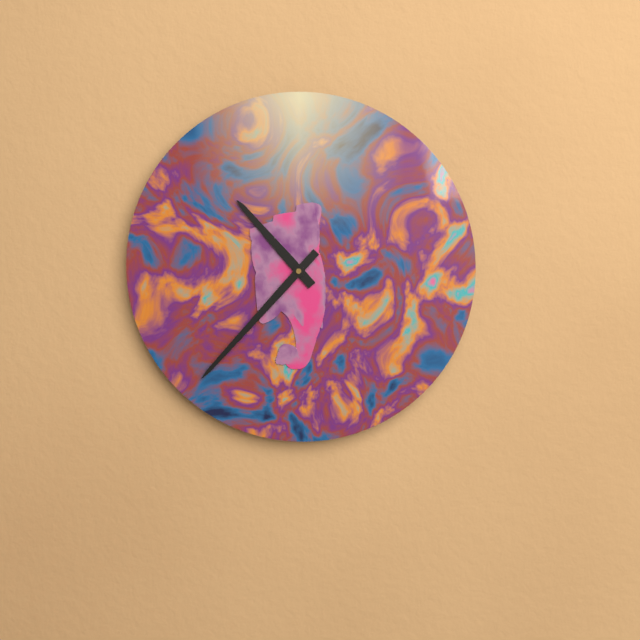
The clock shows h=10 m=37
